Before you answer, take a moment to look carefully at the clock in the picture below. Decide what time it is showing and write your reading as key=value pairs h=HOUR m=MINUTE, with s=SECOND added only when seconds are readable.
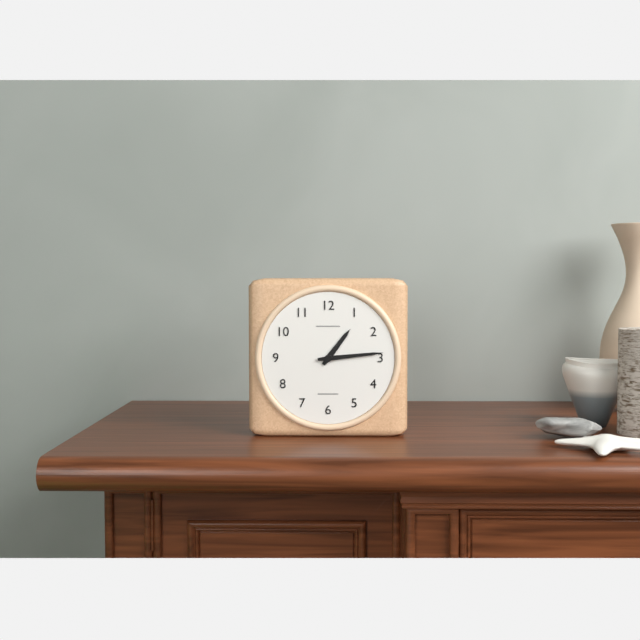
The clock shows h=1 m=14
